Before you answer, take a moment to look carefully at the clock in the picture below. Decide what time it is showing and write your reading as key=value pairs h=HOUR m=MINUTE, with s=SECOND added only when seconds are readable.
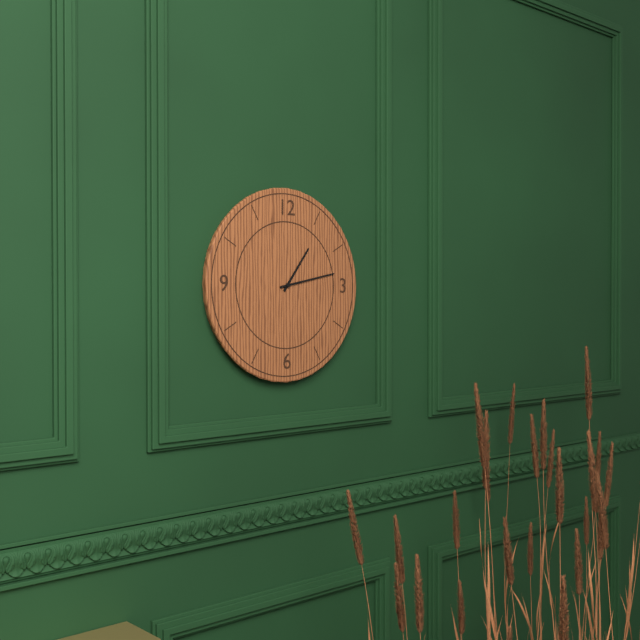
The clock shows h=1 m=13
